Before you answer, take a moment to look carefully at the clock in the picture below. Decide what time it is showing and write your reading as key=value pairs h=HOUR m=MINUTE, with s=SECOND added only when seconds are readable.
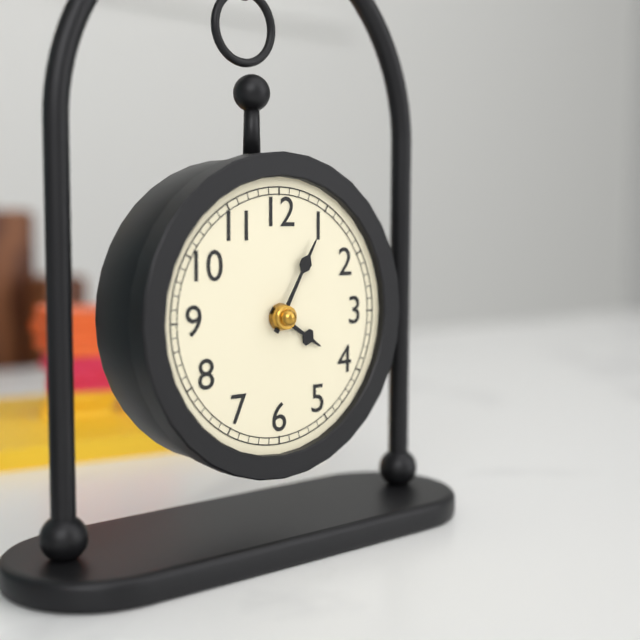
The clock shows h=4 m=5
